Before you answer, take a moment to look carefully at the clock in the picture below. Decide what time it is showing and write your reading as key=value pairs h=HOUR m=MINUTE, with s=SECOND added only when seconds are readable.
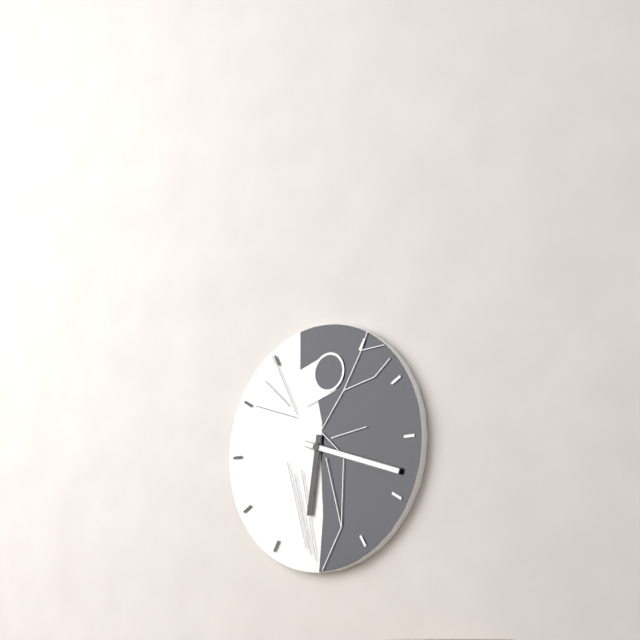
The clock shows h=6 m=18
